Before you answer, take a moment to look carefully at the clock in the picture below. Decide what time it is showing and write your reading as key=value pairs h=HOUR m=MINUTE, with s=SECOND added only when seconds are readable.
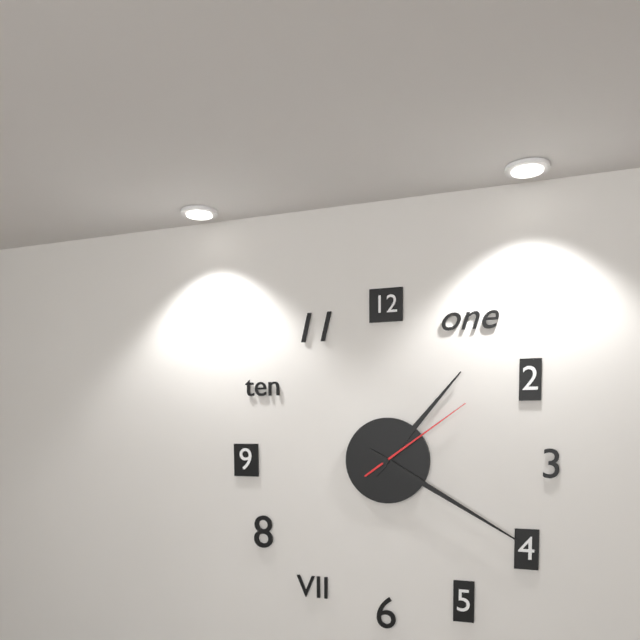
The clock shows h=1 m=20 s=9
